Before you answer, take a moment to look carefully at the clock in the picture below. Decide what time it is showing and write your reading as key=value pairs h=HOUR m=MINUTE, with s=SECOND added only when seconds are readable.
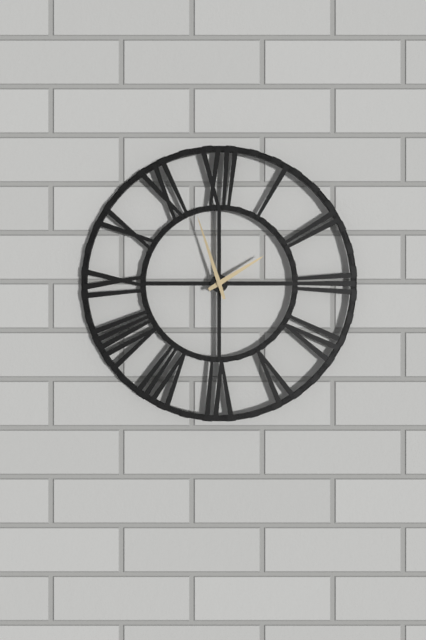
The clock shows h=1 m=57
